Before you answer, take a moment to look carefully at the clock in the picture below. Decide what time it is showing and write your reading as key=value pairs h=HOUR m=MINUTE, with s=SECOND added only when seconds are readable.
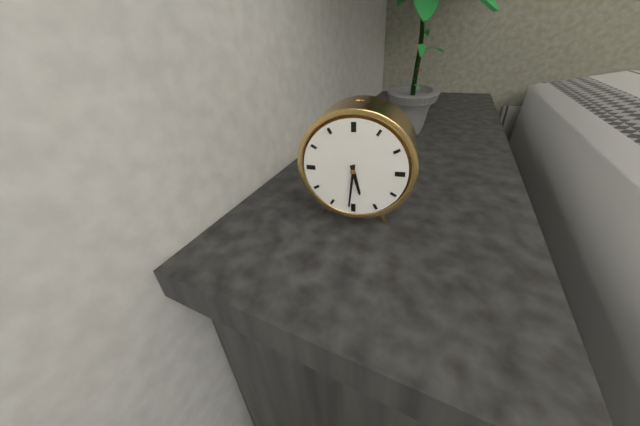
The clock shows h=5 m=31
